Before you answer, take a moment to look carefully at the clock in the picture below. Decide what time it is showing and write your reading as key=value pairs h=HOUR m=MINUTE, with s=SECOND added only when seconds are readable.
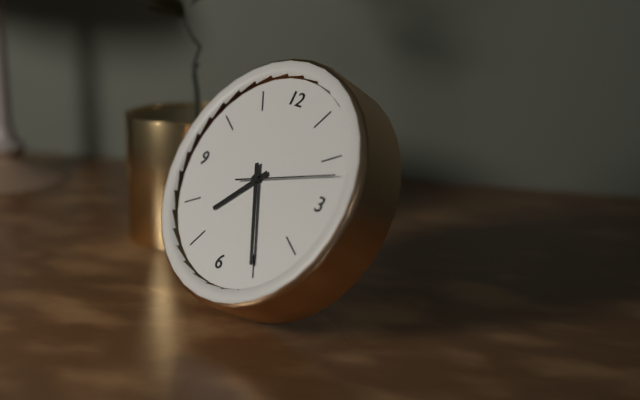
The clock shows h=7 m=25 s=12
